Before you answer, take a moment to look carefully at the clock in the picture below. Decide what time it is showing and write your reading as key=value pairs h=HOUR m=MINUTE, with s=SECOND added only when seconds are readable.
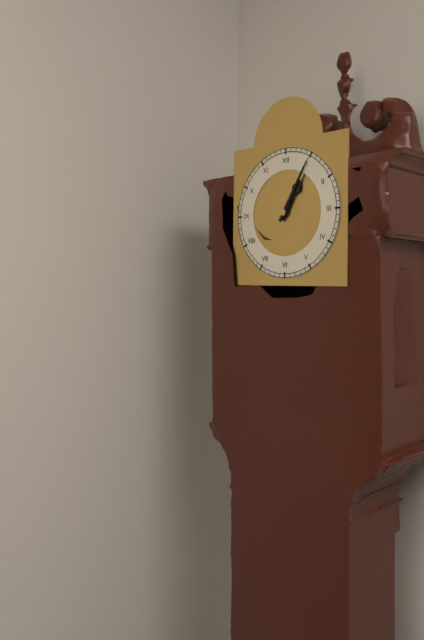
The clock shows h=1 m=5
